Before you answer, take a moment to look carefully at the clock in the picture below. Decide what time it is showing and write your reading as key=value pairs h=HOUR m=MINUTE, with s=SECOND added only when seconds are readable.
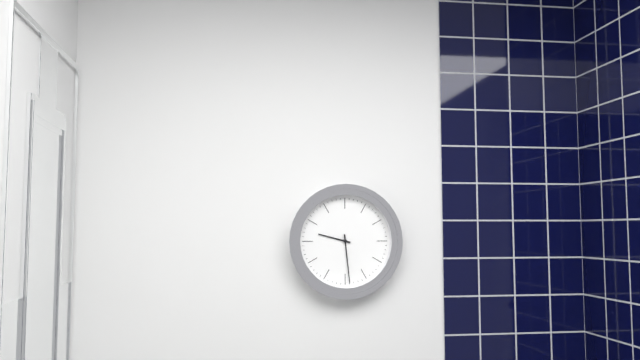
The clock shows h=9 m=29
